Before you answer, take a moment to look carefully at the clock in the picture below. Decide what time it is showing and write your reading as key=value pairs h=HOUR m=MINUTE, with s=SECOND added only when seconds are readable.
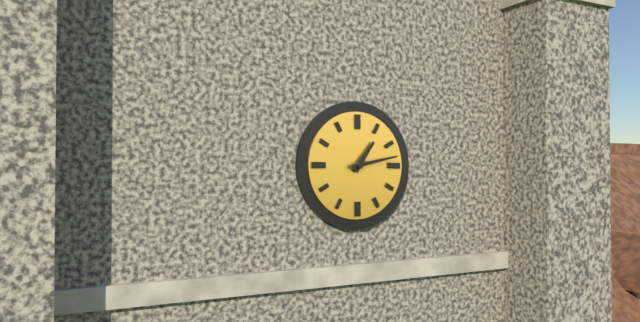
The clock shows h=1 m=13
